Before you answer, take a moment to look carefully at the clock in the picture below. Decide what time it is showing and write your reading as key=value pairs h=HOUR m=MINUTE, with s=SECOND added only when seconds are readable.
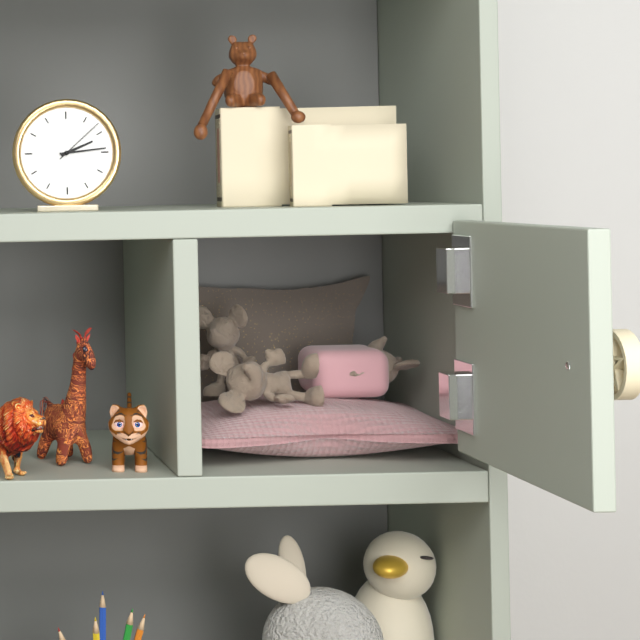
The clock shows h=2 m=14 s=8
